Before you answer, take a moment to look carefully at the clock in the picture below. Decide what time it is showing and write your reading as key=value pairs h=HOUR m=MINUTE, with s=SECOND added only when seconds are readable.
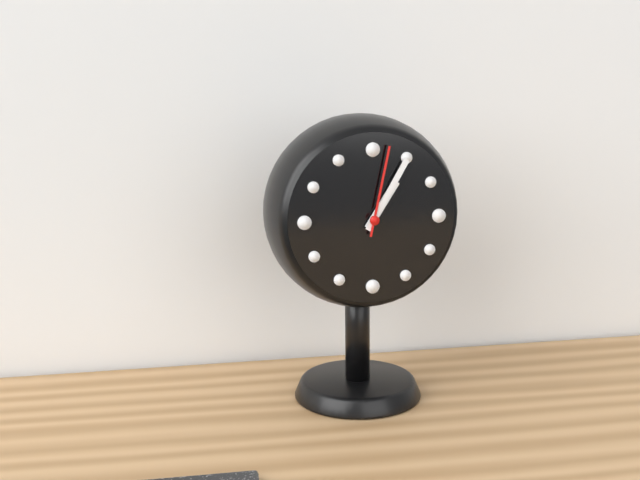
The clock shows h=1 m=5 s=2
